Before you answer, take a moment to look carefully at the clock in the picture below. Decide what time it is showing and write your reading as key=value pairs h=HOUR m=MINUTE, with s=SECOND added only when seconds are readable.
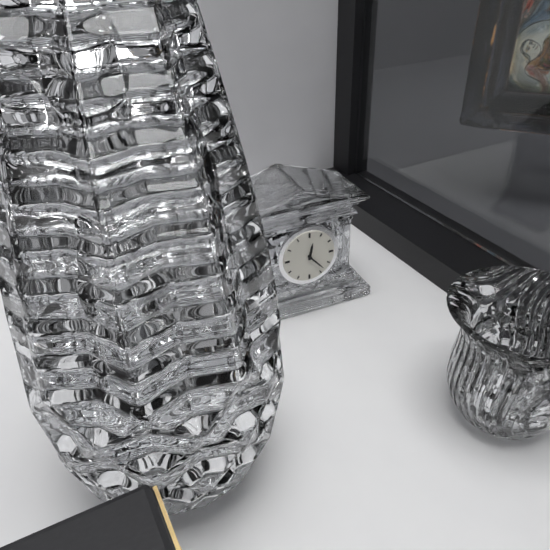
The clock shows h=12 m=23
